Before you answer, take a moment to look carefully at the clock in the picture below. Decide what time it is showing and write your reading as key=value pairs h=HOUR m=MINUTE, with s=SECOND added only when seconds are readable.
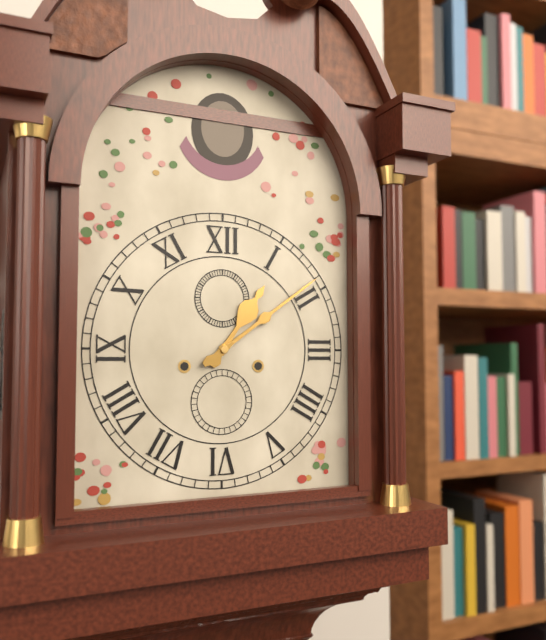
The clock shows h=1 m=9
